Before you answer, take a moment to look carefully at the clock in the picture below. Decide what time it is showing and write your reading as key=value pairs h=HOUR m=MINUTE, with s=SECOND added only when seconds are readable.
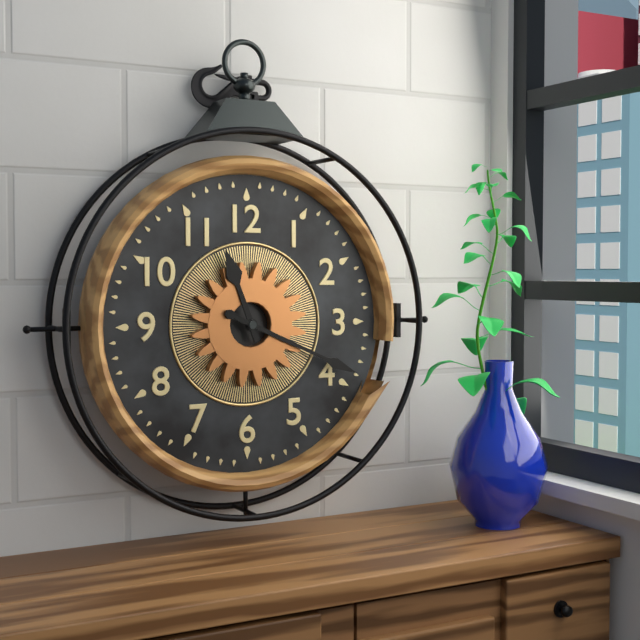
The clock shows h=11 m=19
